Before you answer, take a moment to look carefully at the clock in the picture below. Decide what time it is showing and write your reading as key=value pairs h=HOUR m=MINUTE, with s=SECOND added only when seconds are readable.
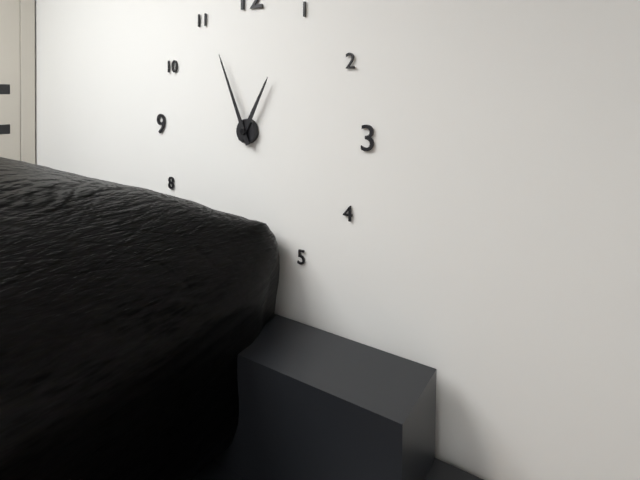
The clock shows h=12 m=56
